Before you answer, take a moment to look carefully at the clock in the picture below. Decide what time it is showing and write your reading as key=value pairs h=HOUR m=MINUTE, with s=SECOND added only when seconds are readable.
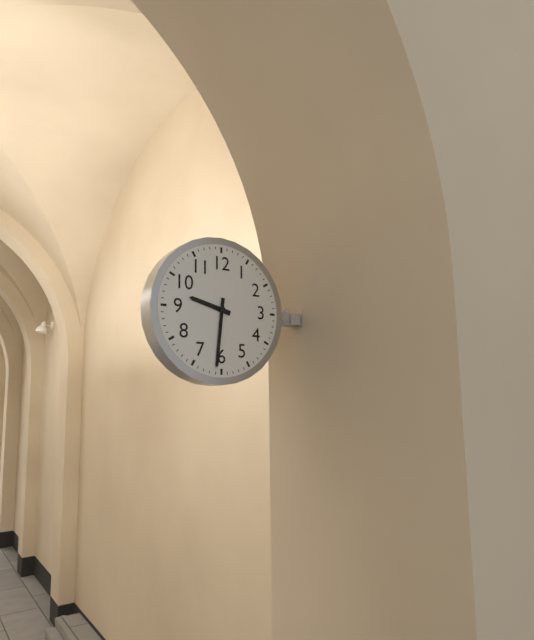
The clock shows h=9 m=31
